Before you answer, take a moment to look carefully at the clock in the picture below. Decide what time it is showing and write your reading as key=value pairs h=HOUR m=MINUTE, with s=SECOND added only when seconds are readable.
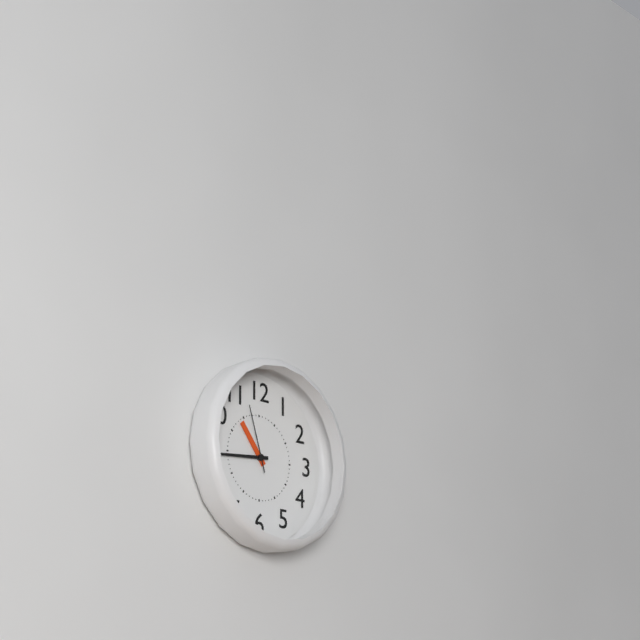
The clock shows h=10 m=44 s=57
